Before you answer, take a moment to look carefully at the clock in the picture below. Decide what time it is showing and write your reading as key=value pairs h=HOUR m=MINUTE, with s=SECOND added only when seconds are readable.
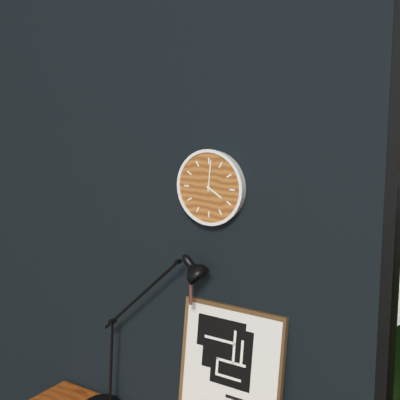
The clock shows h=4 m=1
